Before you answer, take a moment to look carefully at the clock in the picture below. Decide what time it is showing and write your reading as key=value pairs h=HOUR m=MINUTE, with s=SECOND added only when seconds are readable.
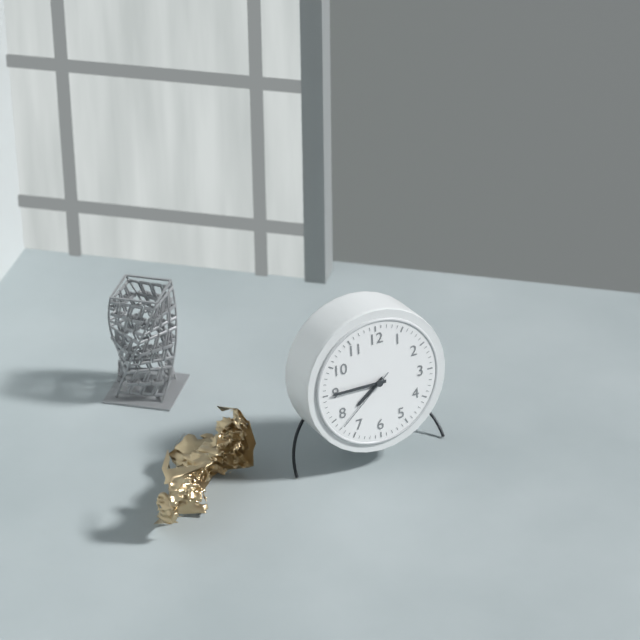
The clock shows h=7 m=45 s=38
